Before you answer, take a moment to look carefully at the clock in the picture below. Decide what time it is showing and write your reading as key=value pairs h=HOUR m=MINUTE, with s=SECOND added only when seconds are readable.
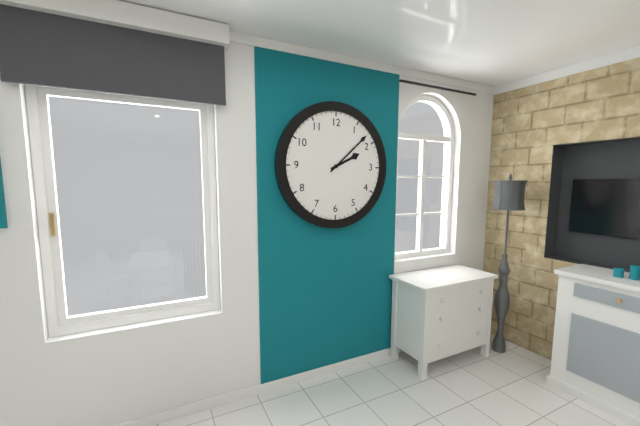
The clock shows h=2 m=8
